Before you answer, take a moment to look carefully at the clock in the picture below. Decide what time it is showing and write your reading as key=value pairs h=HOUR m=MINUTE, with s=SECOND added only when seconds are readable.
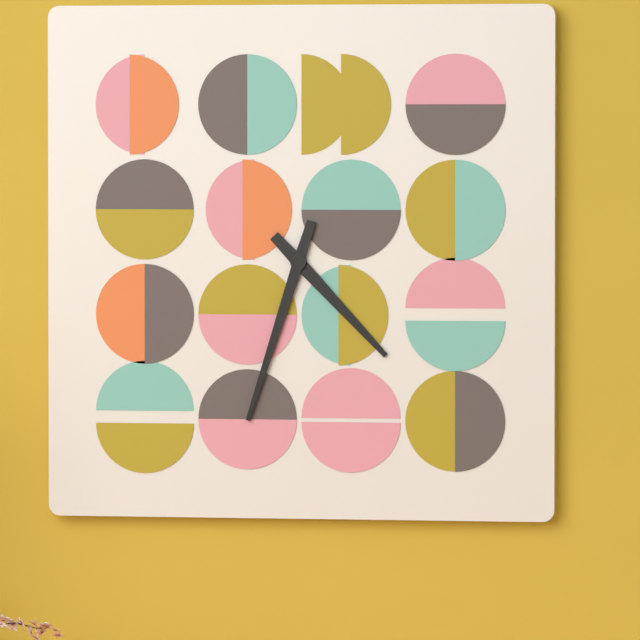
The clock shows h=4 m=33
